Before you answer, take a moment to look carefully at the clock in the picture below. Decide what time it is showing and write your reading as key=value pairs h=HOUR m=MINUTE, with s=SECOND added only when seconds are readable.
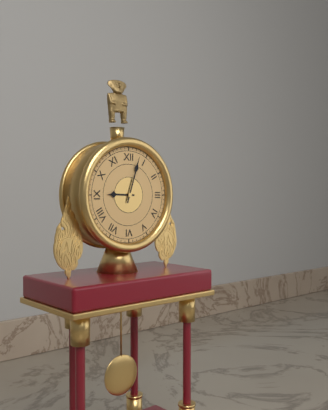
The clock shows h=9 m=3
